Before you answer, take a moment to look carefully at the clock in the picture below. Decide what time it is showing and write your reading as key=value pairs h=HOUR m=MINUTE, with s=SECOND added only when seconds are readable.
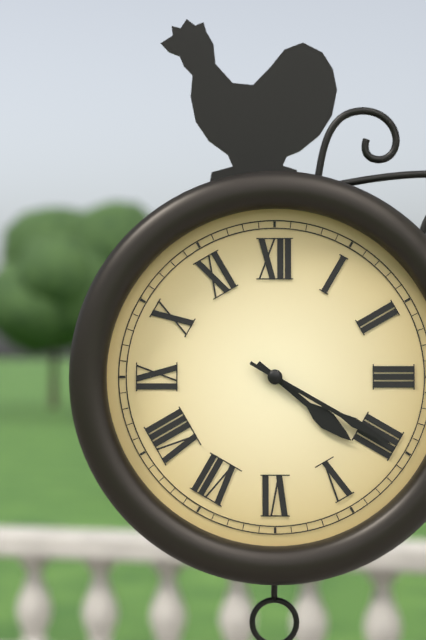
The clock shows h=4 m=20
